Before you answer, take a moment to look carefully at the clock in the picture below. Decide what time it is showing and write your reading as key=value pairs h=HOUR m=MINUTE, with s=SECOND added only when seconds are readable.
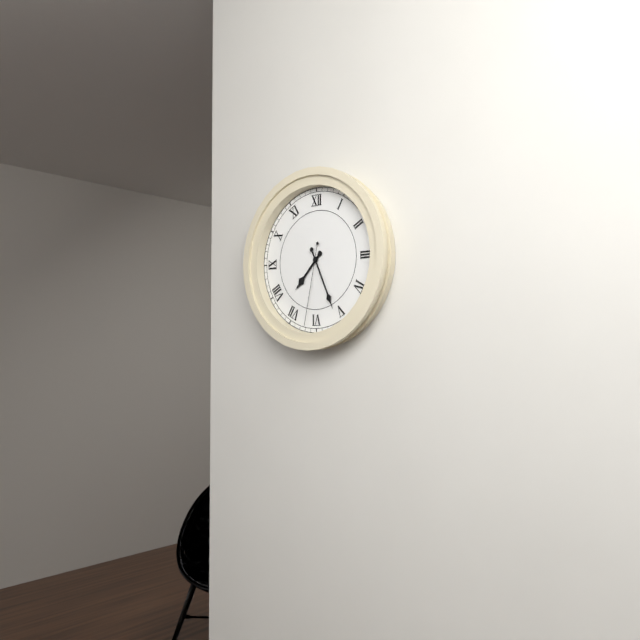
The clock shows h=7 m=26 s=32
